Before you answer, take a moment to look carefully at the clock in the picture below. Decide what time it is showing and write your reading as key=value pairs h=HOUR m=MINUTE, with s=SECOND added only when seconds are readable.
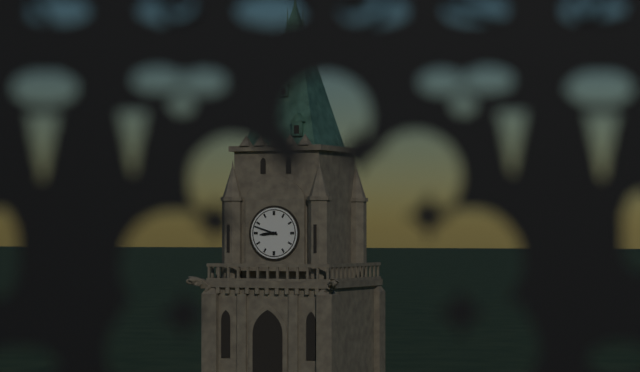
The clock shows h=8 m=48
